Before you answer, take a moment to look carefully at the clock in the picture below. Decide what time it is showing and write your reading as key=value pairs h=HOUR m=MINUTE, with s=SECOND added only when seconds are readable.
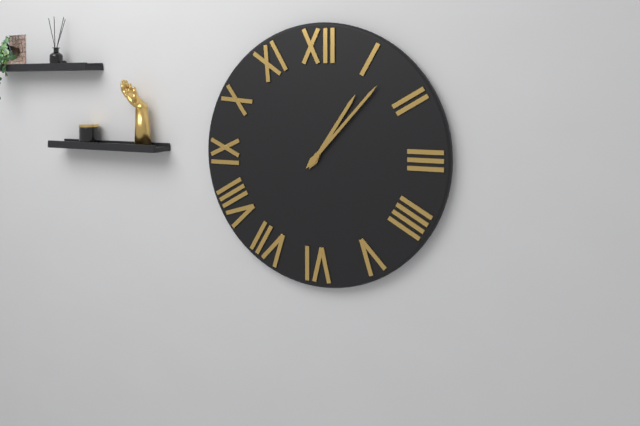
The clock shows h=1 m=7
